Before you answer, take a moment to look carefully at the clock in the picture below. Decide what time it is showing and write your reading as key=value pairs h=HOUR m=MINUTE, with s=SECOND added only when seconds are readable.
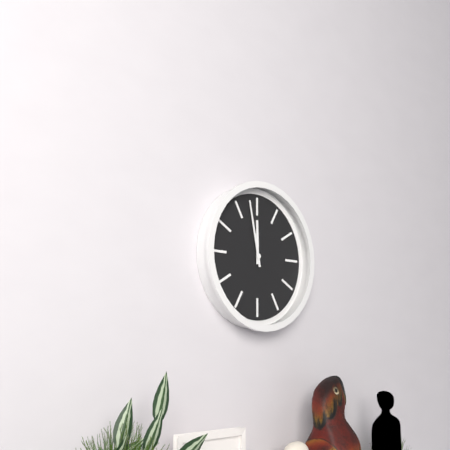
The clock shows h=11 m=58
